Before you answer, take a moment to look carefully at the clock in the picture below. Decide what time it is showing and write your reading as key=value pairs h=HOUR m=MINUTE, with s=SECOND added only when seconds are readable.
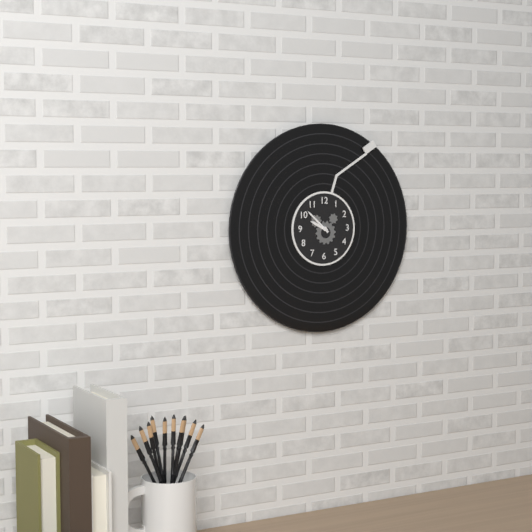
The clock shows h=9 m=52
